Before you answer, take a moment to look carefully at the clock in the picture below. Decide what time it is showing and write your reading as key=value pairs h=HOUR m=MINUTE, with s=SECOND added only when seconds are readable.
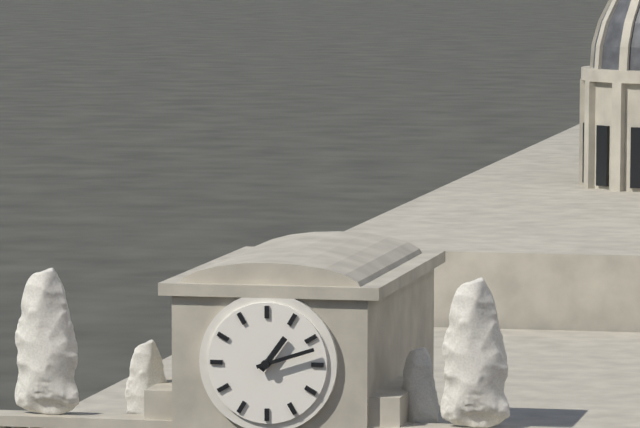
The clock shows h=1 m=12
